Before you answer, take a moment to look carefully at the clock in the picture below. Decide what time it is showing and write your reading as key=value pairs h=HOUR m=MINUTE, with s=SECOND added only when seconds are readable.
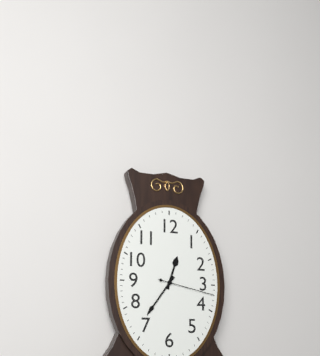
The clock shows h=12 m=36 s=17
